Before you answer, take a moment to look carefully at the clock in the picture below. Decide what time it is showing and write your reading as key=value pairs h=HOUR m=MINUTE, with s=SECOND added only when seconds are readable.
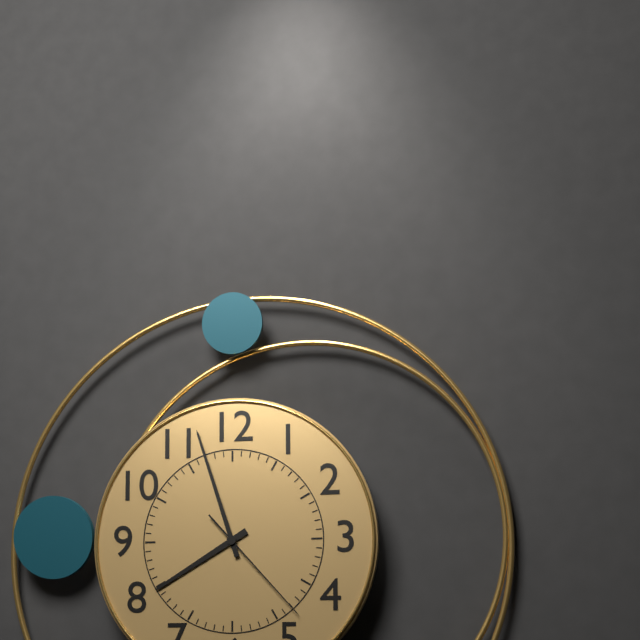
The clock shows h=7 m=57 s=23
